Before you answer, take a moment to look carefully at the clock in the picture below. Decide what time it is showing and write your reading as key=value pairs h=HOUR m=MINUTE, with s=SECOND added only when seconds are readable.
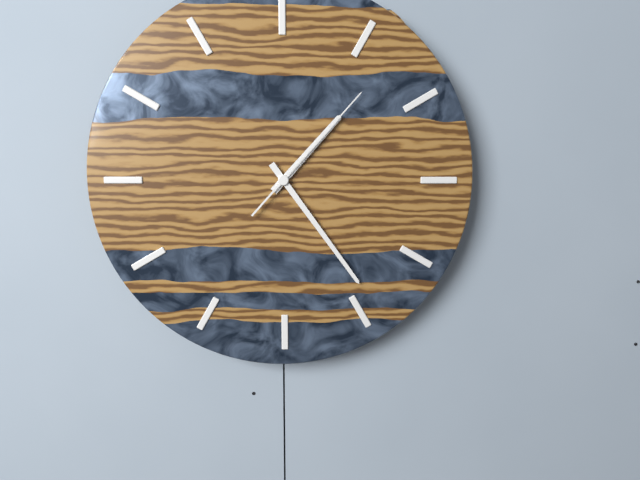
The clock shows h=1 m=24 s=7
